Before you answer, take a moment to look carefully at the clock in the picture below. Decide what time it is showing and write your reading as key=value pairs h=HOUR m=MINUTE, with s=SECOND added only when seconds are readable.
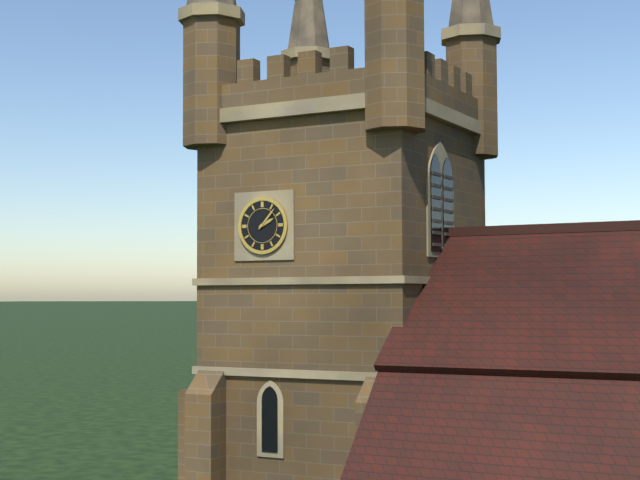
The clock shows h=2 m=7
